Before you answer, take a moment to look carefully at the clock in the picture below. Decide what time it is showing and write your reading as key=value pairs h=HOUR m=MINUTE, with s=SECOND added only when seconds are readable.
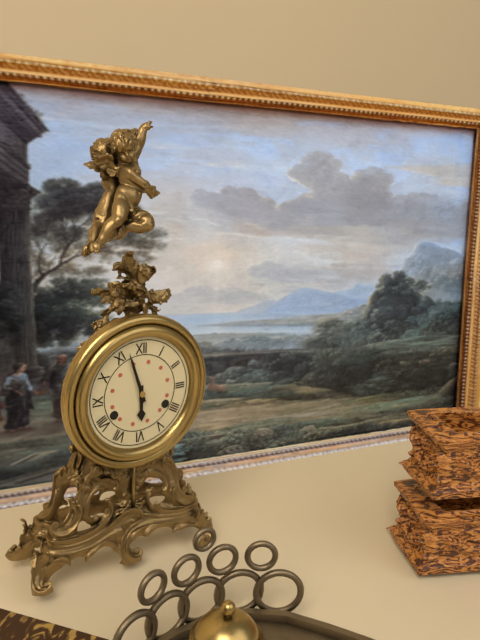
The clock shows h=5 m=57
